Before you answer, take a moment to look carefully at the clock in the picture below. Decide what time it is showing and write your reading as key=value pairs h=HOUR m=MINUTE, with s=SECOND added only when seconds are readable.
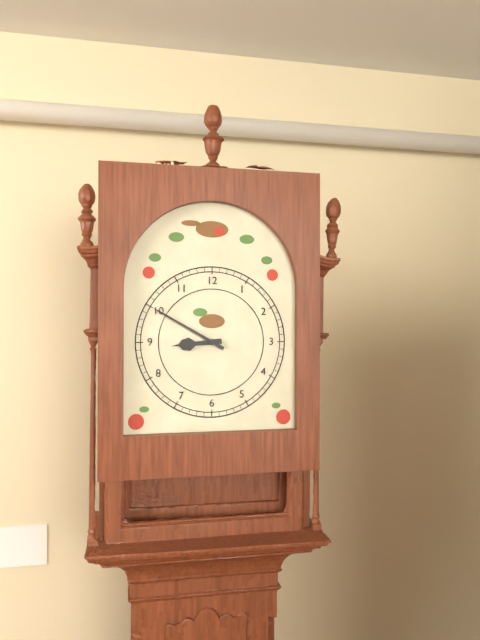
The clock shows h=8 m=50
